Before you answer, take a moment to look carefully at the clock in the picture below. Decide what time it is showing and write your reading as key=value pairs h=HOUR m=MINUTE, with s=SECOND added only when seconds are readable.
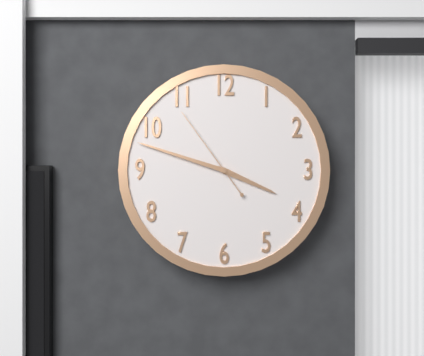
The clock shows h=3 m=48 s=54
